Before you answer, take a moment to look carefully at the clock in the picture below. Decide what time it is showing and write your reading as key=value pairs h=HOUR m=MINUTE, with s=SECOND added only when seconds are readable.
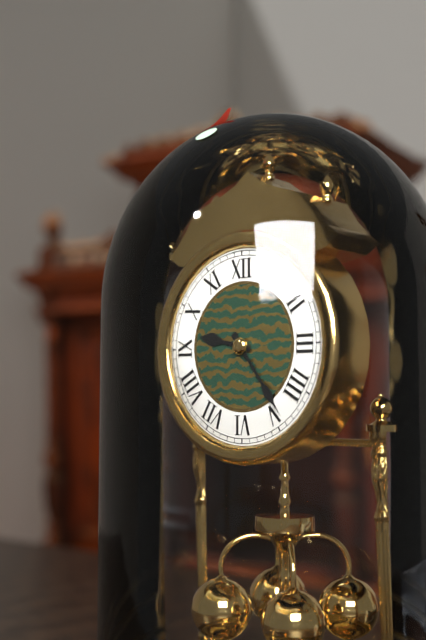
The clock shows h=9 m=24
